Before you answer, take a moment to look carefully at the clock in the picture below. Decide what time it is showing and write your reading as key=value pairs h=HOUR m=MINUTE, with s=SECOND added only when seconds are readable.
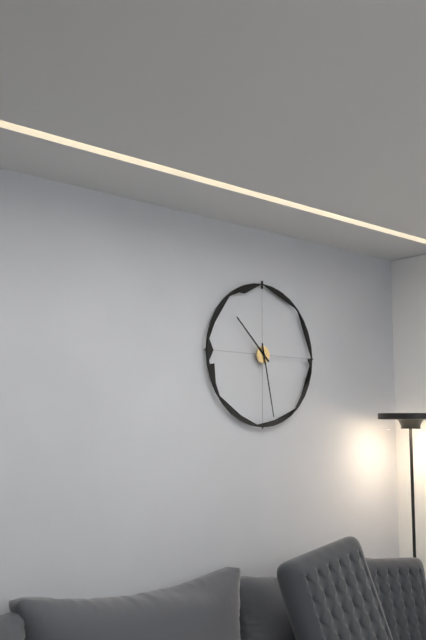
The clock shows h=10 m=28
